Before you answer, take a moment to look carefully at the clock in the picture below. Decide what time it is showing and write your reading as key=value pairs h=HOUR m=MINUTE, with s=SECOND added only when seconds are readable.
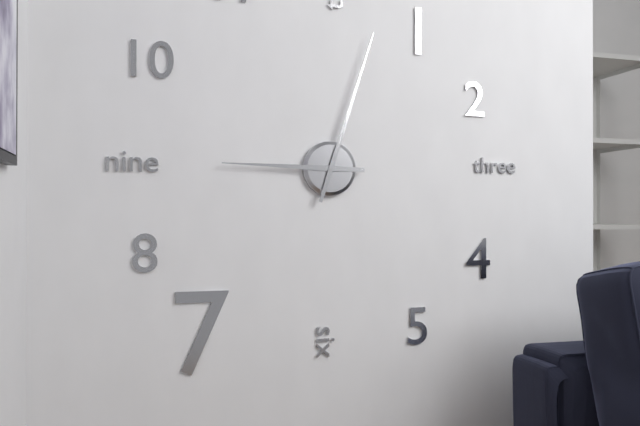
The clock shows h=9 m=3
